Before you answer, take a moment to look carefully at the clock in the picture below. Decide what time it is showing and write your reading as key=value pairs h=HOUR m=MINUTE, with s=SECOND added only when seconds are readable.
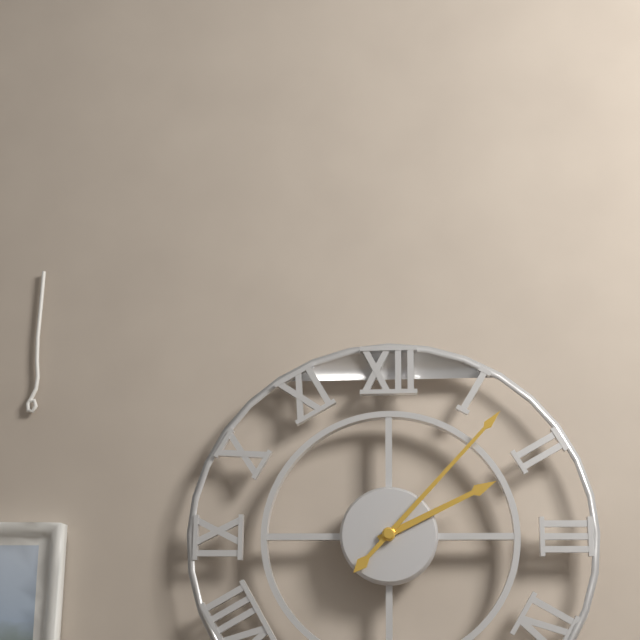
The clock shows h=2 m=7
